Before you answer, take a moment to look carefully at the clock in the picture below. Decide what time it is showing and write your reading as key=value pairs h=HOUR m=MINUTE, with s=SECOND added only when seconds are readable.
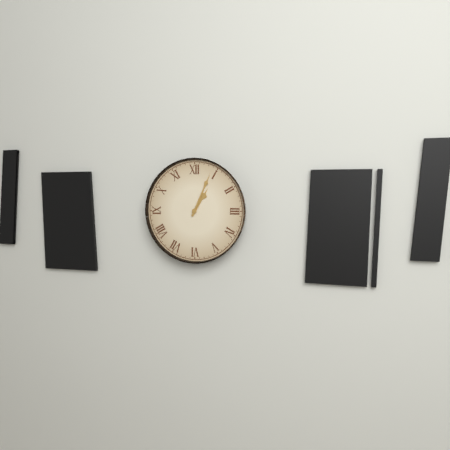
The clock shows h=1 m=4
